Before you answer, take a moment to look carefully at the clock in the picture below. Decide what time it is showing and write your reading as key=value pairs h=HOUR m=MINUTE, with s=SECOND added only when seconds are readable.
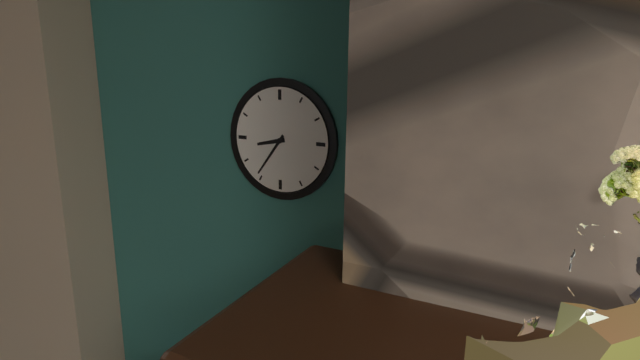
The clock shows h=8 m=36
